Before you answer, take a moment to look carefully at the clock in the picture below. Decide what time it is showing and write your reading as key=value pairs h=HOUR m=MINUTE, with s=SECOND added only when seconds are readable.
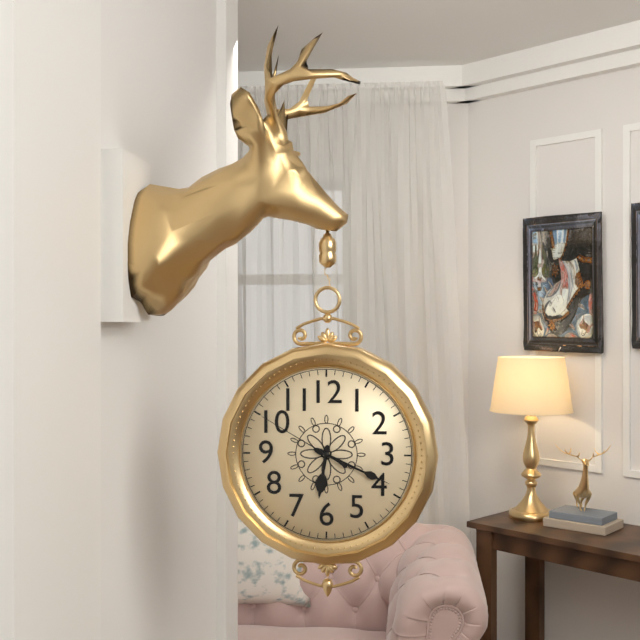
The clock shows h=6 m=19 s=50
